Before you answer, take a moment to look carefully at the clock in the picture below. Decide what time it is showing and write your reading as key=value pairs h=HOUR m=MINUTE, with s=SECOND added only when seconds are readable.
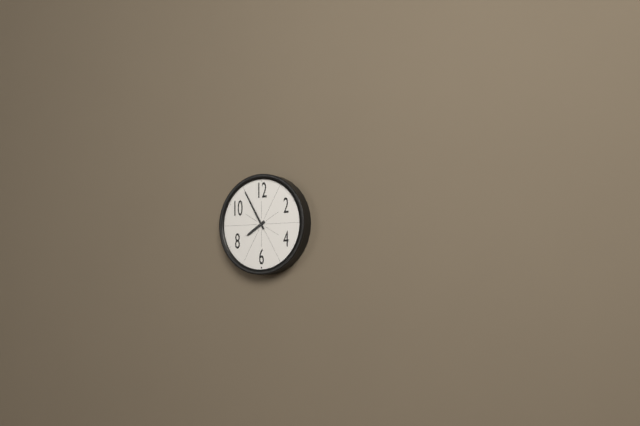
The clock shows h=7 m=55
